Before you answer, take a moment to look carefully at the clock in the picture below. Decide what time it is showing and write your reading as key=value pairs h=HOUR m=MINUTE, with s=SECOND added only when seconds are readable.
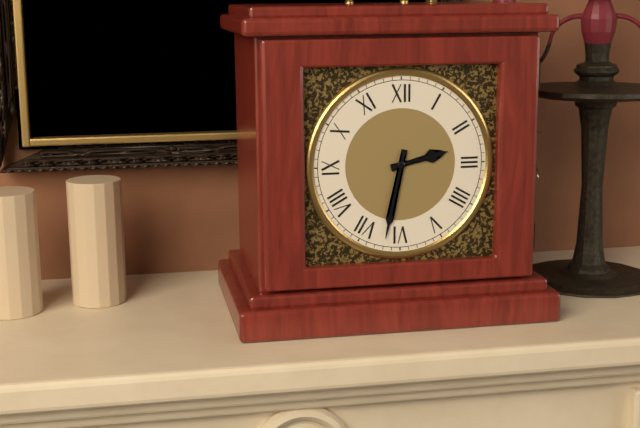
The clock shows h=2 m=32
